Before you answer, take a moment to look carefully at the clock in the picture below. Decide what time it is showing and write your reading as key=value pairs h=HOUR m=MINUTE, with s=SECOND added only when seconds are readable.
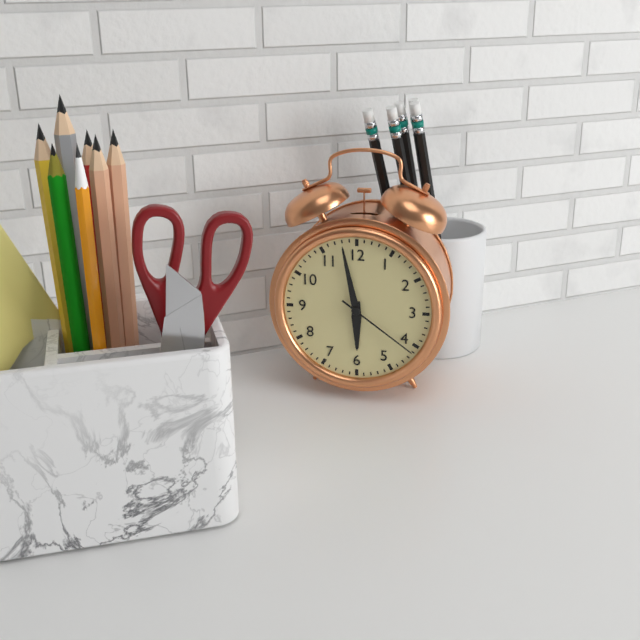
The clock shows h=5 m=58 s=21
